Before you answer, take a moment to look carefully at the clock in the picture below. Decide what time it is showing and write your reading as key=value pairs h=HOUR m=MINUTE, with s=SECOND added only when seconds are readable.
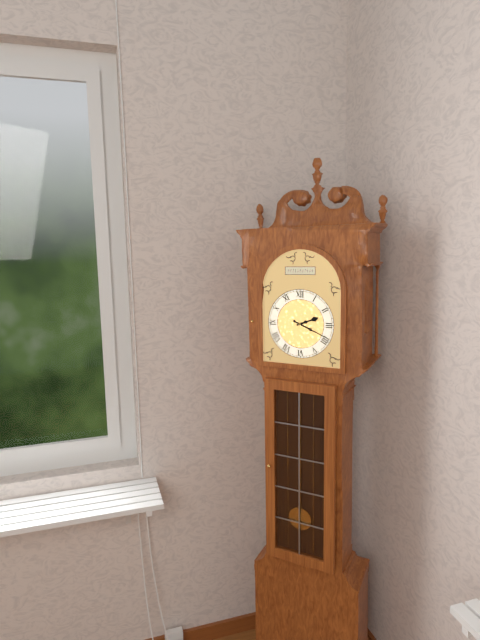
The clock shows h=2 m=19
